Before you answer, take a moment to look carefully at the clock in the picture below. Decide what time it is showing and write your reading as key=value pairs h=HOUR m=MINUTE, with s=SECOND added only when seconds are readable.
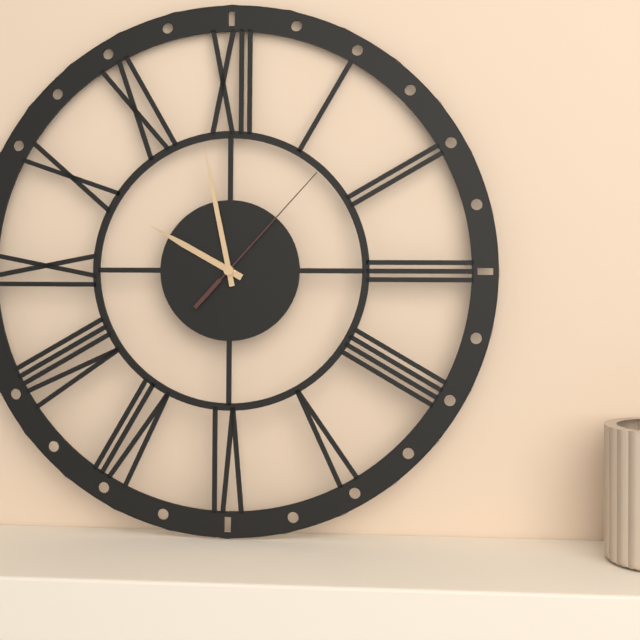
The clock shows h=9 m=58 s=7
